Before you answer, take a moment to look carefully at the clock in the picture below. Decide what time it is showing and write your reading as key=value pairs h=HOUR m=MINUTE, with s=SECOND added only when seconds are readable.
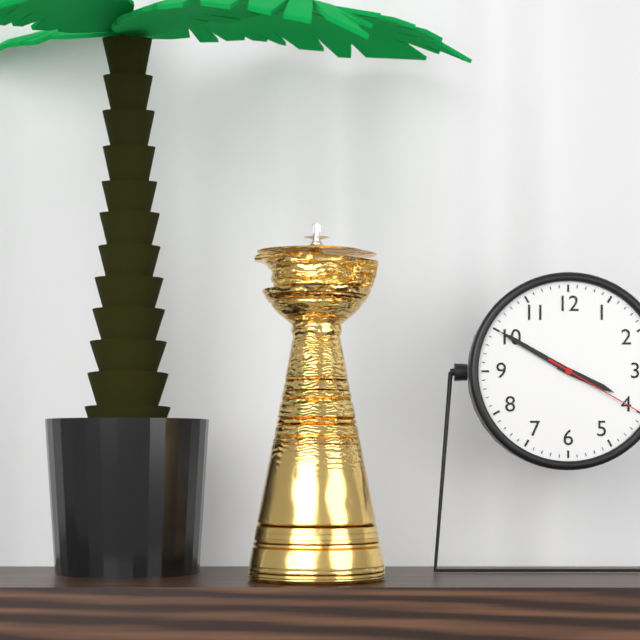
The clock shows h=3 m=50 s=20
